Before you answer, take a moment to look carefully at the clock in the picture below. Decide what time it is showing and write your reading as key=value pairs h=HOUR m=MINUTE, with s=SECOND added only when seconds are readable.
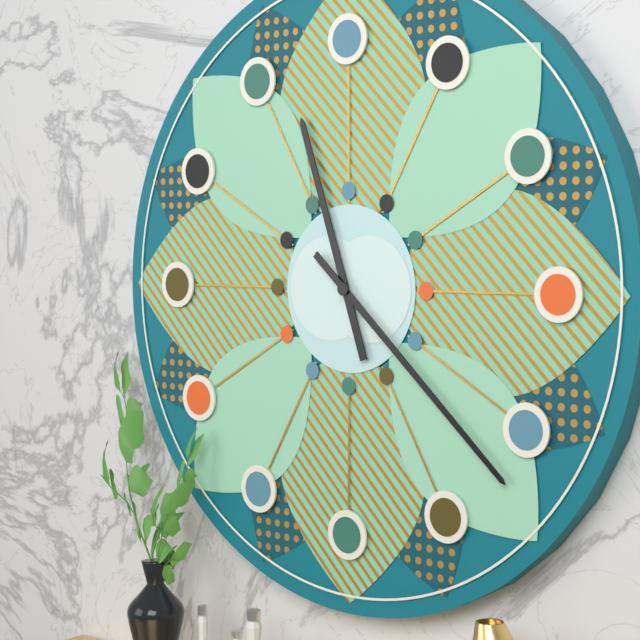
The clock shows h=11 m=22
